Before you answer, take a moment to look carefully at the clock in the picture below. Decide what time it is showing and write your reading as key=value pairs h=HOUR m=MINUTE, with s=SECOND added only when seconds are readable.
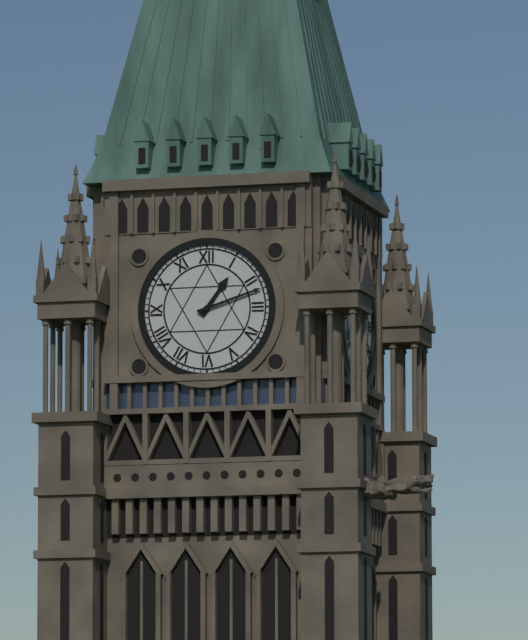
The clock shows h=1 m=12
